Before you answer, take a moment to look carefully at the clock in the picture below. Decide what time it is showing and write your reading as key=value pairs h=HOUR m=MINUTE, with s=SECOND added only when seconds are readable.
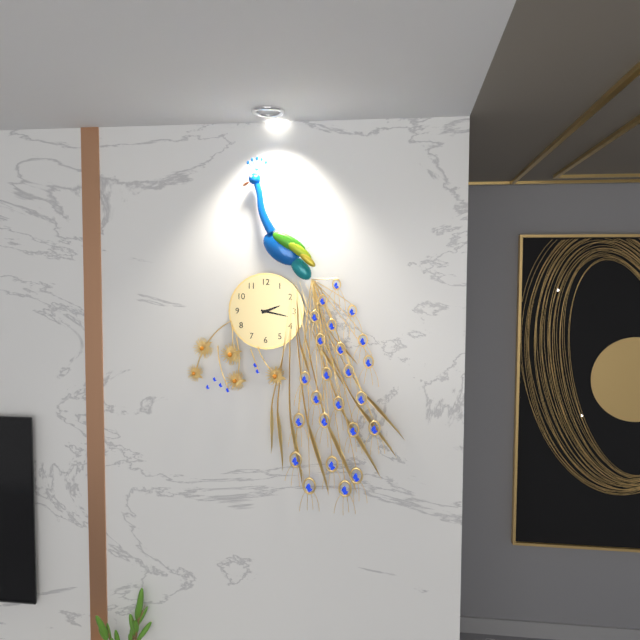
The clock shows h=2 m=17
